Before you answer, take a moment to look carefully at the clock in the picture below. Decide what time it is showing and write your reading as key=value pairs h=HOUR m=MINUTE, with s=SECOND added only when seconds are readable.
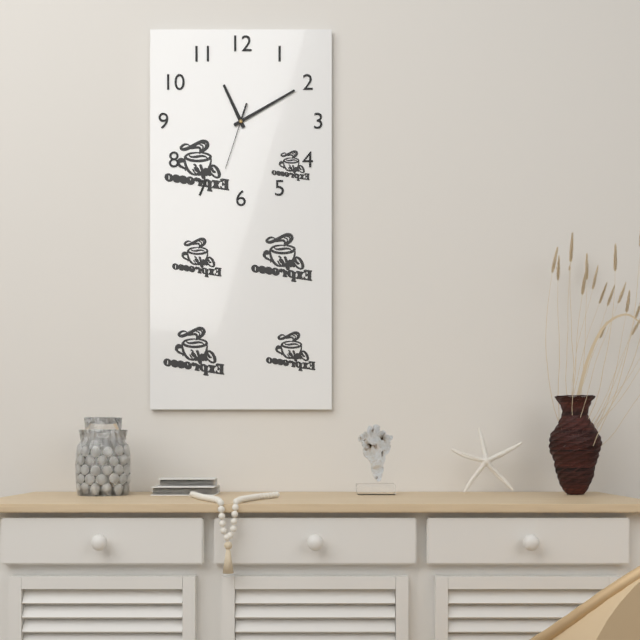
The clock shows h=11 m=10 s=33
